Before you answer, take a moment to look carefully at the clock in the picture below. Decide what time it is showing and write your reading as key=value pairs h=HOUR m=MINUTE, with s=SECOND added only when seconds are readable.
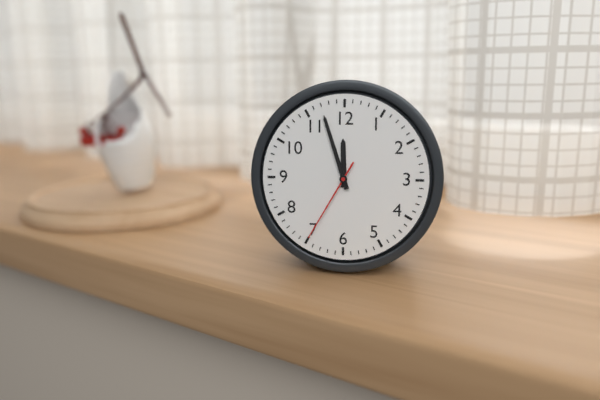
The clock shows h=11 m=57 s=35
